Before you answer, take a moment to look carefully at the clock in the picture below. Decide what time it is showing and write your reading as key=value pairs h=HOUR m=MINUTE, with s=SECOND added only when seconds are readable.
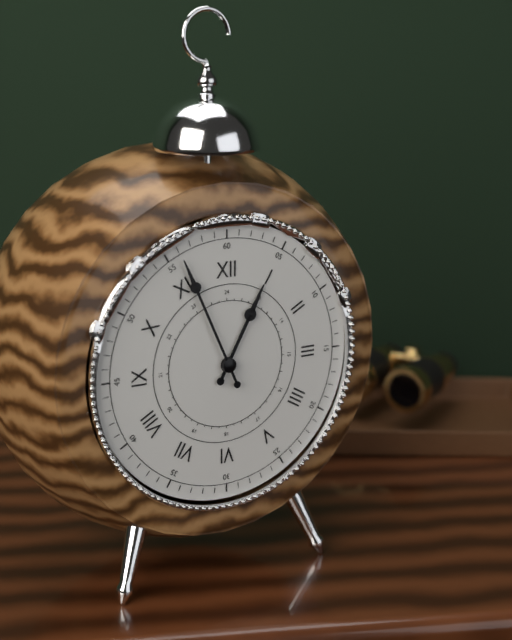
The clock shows h=12 m=56
